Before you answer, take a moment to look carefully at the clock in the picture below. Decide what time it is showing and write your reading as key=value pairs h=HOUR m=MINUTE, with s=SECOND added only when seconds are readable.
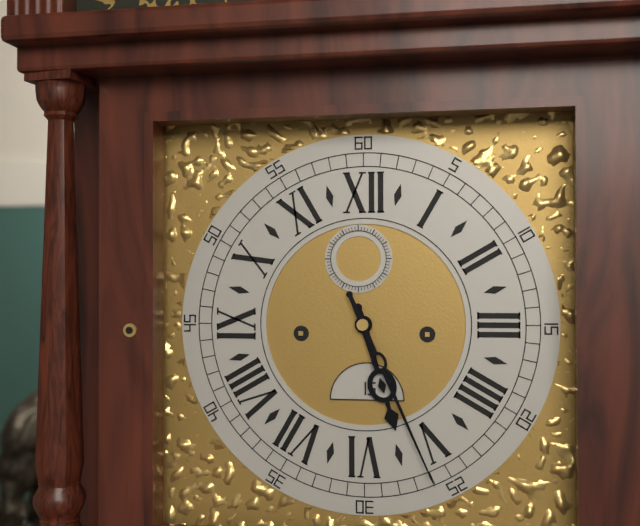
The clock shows h=5 m=26
